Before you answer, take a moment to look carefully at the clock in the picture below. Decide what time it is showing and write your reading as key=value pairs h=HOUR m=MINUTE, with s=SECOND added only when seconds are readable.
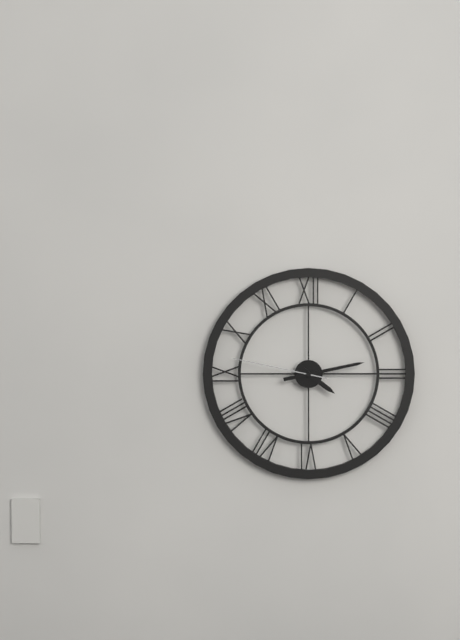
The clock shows h=4 m=13 s=47
